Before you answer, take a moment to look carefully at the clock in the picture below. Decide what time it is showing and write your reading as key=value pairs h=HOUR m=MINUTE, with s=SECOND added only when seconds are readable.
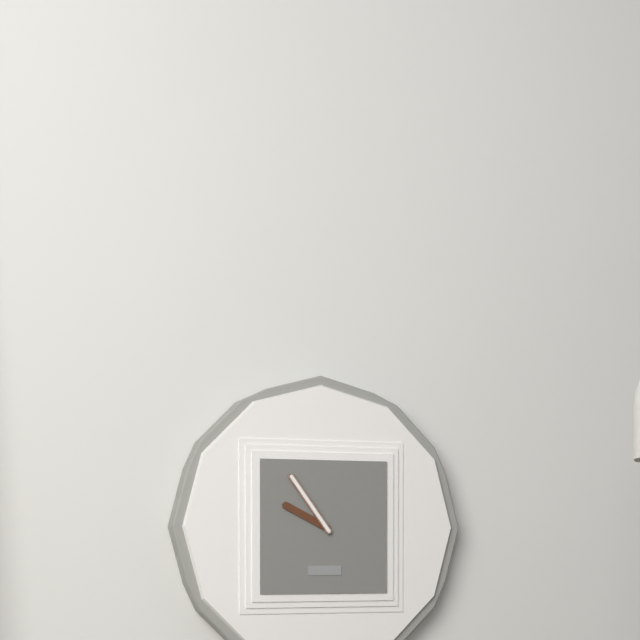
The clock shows h=9 m=54
